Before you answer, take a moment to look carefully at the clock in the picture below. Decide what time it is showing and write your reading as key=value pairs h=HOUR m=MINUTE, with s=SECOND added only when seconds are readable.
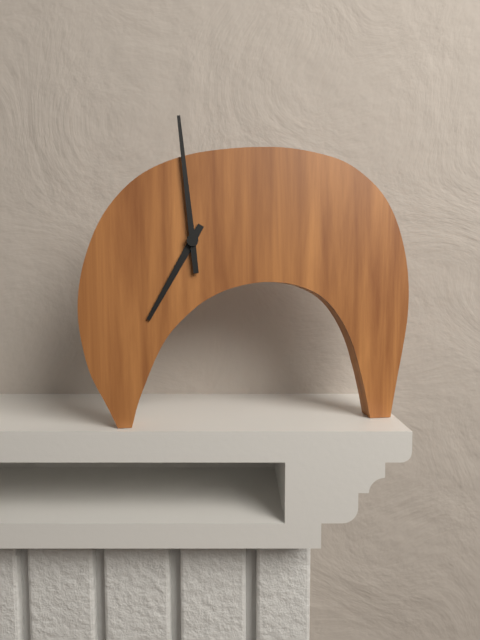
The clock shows h=6 m=59
